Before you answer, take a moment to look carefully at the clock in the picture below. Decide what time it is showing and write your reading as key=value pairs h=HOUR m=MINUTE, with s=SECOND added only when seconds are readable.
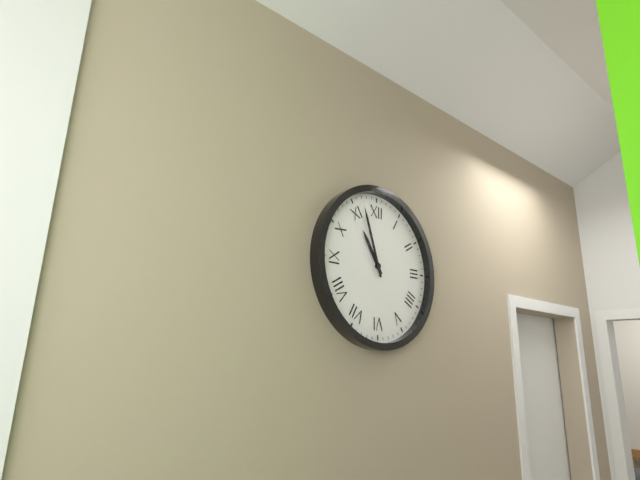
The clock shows h=10 m=57
